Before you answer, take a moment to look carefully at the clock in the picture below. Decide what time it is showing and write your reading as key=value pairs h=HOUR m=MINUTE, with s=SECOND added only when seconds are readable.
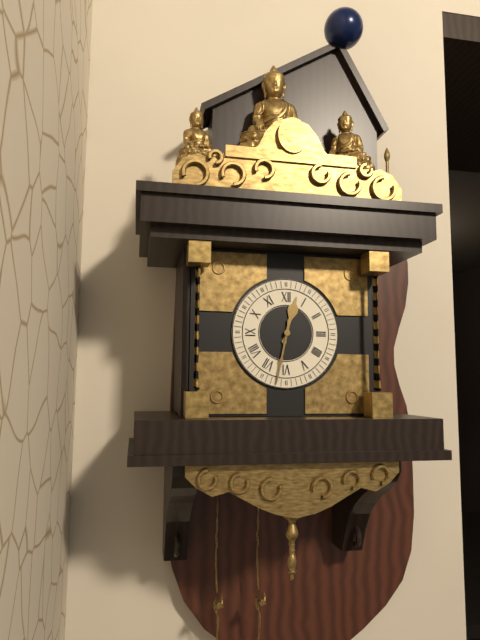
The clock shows h=12 m=32
